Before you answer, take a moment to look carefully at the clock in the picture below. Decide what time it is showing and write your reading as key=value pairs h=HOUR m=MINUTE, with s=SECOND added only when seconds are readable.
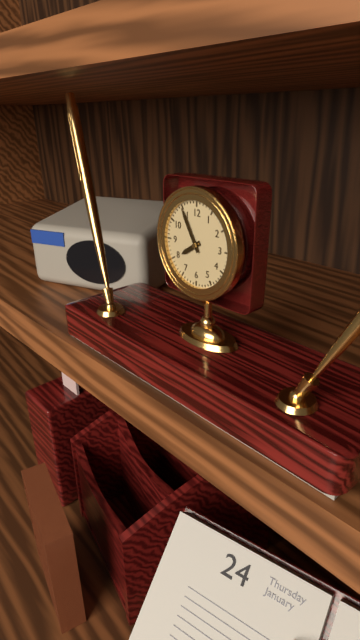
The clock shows h=7 m=55
